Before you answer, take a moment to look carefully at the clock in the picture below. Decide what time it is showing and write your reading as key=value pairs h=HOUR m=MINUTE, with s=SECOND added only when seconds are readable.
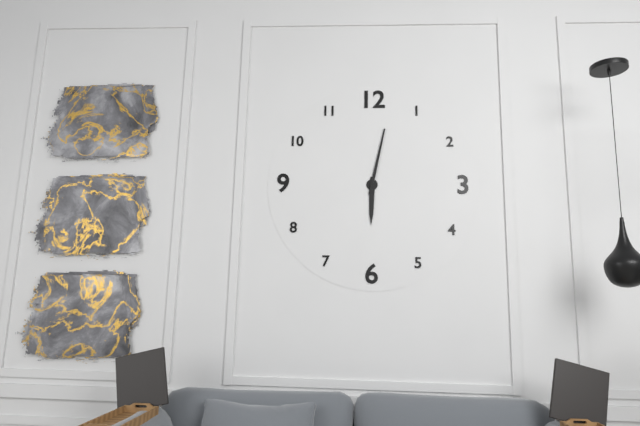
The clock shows h=6 m=2
